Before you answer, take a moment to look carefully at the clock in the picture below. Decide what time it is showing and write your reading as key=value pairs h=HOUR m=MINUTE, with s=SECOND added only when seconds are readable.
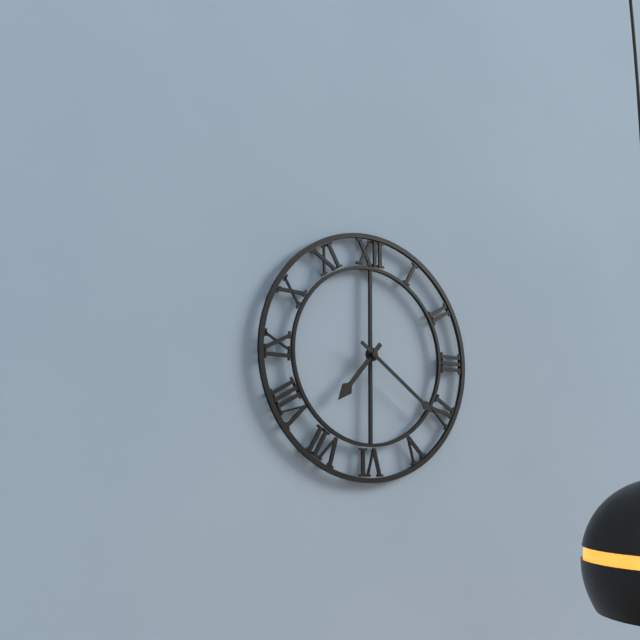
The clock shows h=7 m=21
